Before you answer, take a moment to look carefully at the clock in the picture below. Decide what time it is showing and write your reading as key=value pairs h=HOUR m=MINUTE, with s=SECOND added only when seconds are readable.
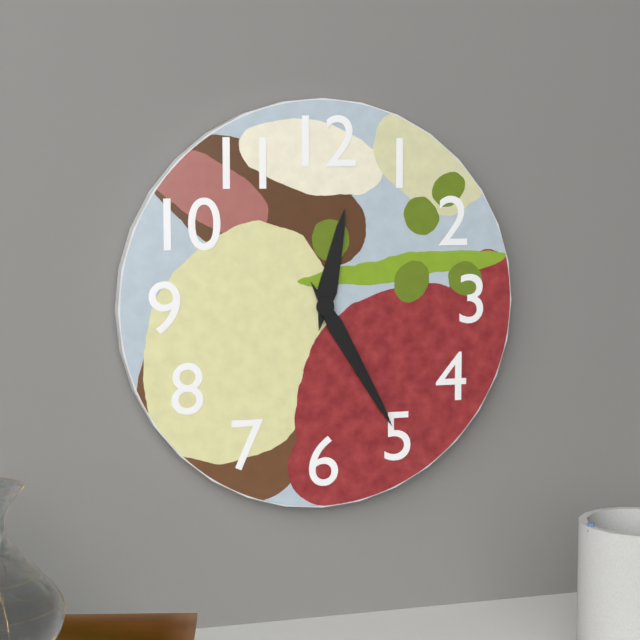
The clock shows h=12 m=25
